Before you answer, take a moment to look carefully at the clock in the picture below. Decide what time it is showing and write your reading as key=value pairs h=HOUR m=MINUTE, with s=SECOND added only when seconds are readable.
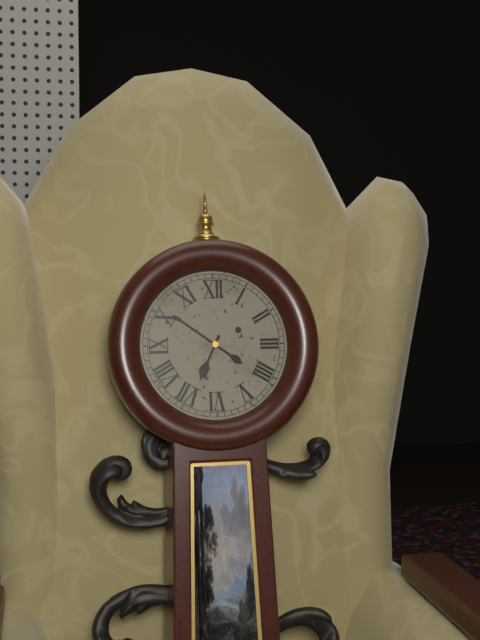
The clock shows h=6 m=51
